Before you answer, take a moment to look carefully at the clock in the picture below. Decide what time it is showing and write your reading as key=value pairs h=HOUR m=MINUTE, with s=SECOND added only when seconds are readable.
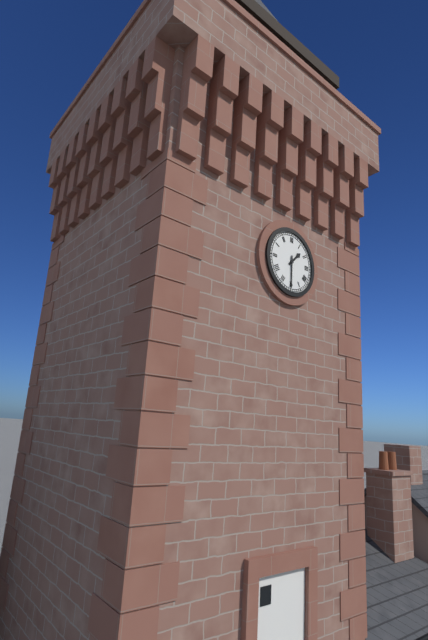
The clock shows h=1 m=30
